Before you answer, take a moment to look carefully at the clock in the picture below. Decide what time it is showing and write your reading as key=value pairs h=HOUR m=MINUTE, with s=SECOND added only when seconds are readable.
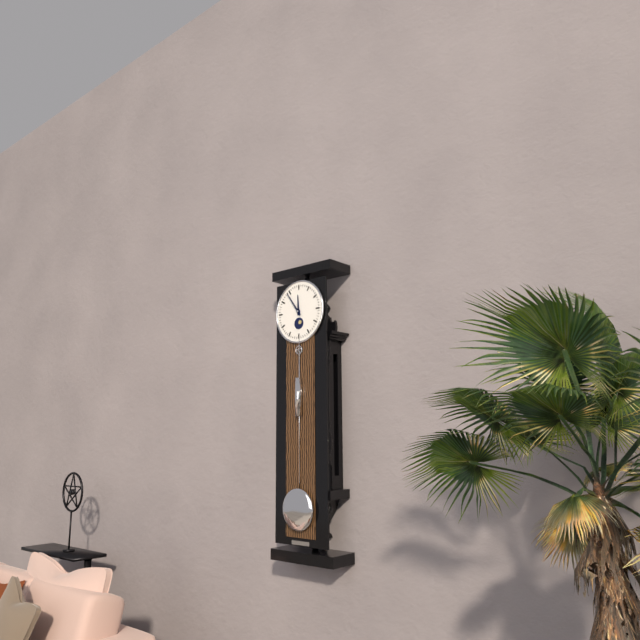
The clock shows h=11 m=54
